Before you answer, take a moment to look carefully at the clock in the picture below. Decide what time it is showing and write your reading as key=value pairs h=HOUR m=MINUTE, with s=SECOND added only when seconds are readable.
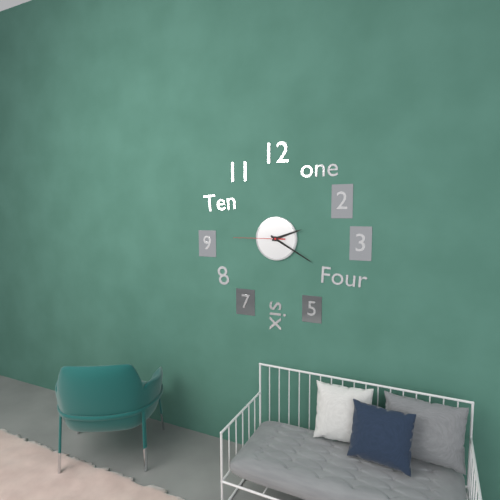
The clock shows h=2 m=20 s=45
